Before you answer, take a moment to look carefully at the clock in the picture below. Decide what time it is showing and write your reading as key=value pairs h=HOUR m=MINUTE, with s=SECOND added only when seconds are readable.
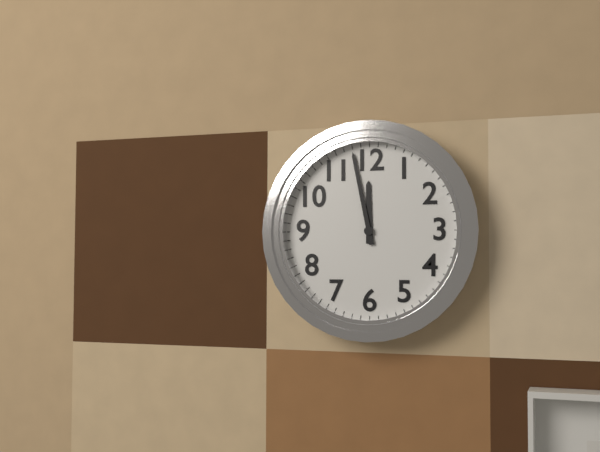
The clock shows h=11 m=58
